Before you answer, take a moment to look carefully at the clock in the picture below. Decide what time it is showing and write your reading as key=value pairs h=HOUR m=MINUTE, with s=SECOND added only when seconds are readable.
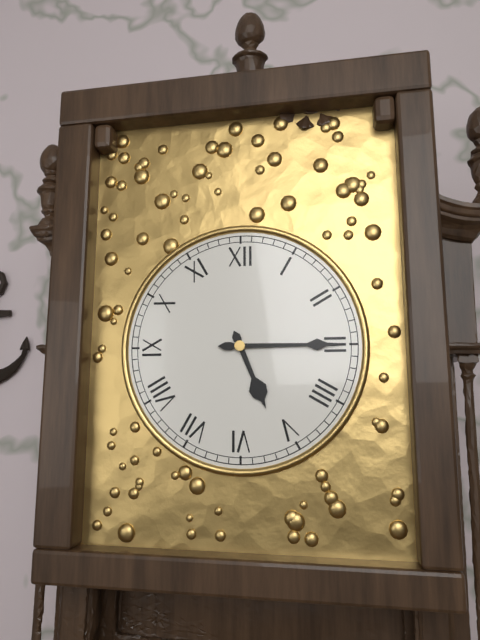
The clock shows h=5 m=15
